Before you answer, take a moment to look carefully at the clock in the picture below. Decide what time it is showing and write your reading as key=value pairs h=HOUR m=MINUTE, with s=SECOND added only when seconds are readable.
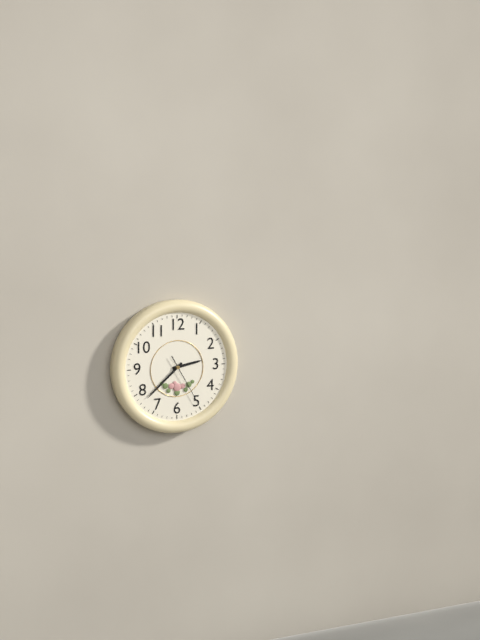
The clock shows h=2 m=38 s=25
